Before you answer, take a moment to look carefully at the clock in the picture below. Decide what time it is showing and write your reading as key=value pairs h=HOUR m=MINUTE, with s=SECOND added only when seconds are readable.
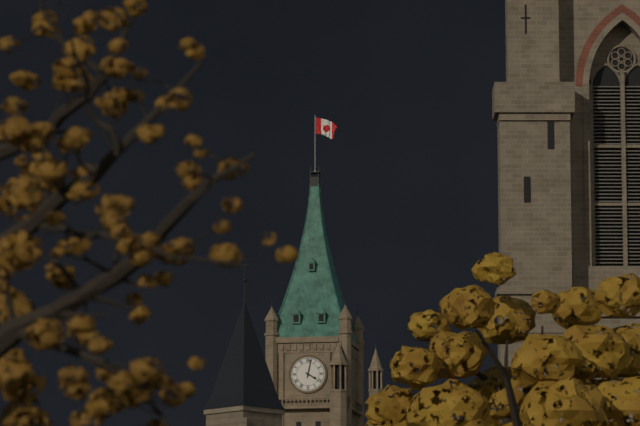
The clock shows h=4 m=2
